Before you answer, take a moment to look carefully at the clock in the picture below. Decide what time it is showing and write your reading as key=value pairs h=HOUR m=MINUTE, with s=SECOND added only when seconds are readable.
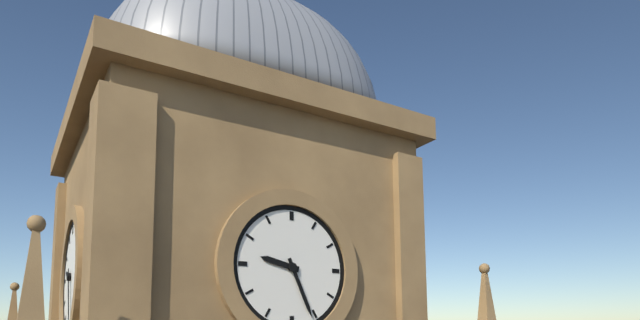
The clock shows h=9 m=26
